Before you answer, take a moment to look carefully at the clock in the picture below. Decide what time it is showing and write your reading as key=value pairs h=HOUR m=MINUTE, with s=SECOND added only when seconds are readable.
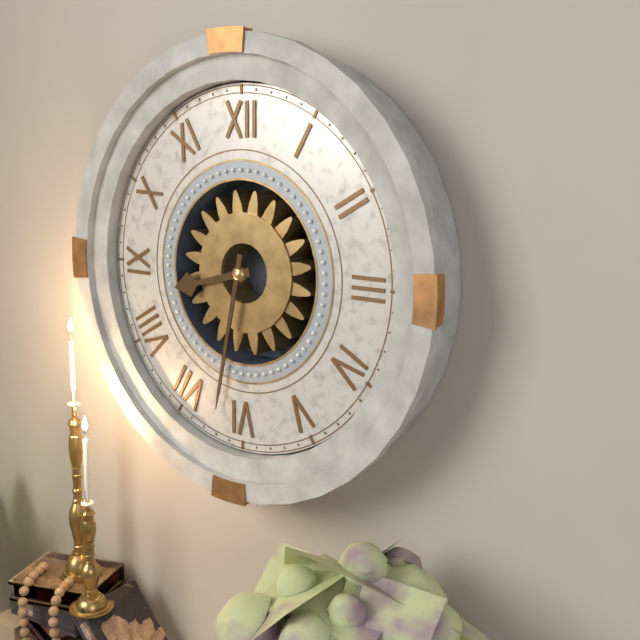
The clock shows h=8 m=32
